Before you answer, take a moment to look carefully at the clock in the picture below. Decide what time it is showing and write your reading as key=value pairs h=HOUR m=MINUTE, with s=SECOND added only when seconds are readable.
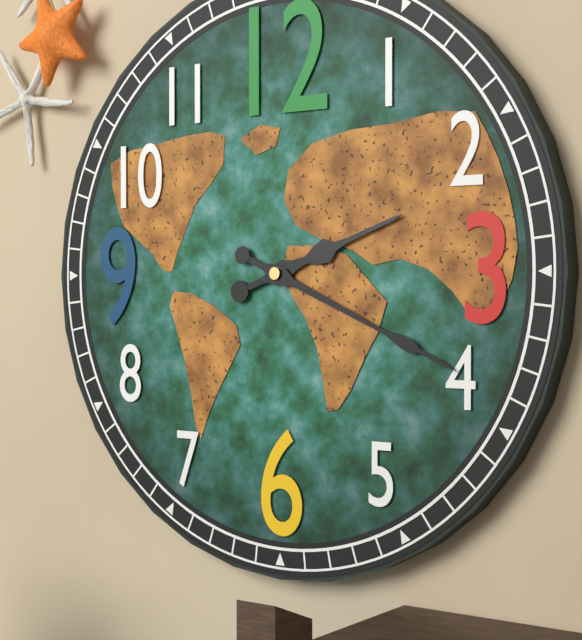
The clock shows h=2 m=19
